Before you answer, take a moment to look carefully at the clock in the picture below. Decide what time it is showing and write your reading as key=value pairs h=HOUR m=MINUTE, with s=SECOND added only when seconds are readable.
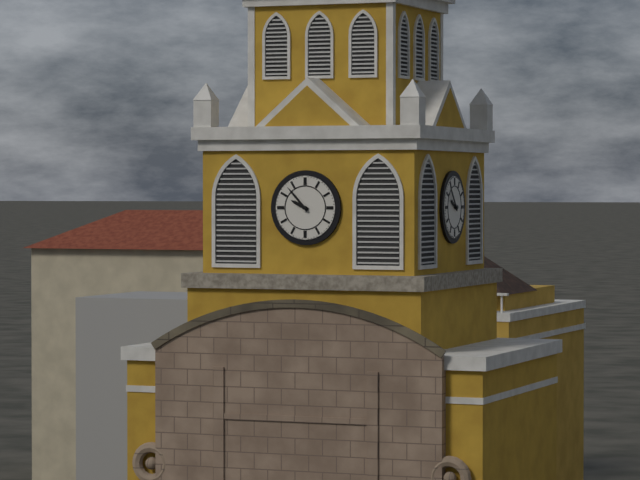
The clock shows h=9 m=53
